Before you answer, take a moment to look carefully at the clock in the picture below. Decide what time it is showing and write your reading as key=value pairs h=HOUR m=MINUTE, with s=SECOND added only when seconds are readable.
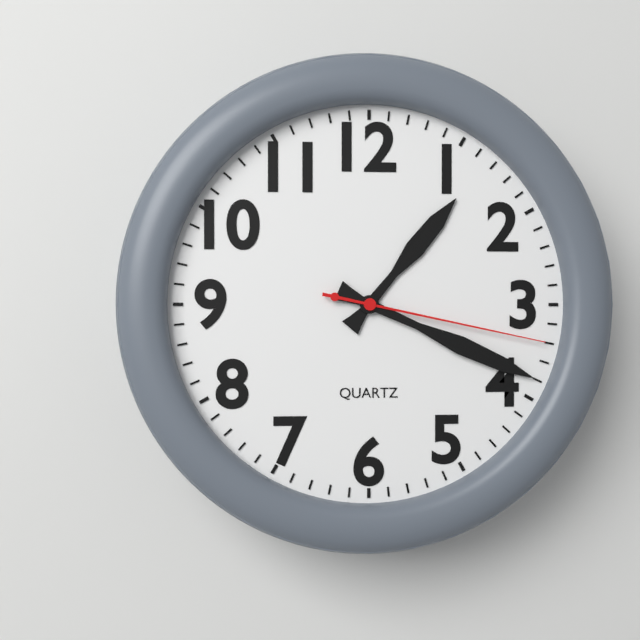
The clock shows h=1 m=19 s=17
